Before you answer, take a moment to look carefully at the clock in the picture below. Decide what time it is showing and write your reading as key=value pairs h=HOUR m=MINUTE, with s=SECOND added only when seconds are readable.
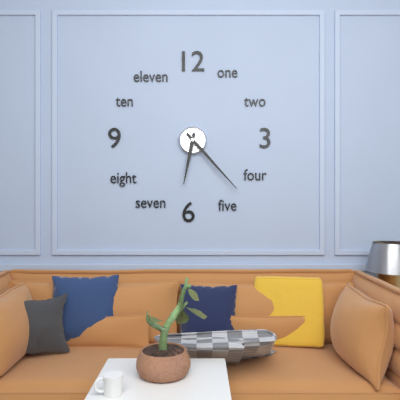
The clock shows h=6 m=23
